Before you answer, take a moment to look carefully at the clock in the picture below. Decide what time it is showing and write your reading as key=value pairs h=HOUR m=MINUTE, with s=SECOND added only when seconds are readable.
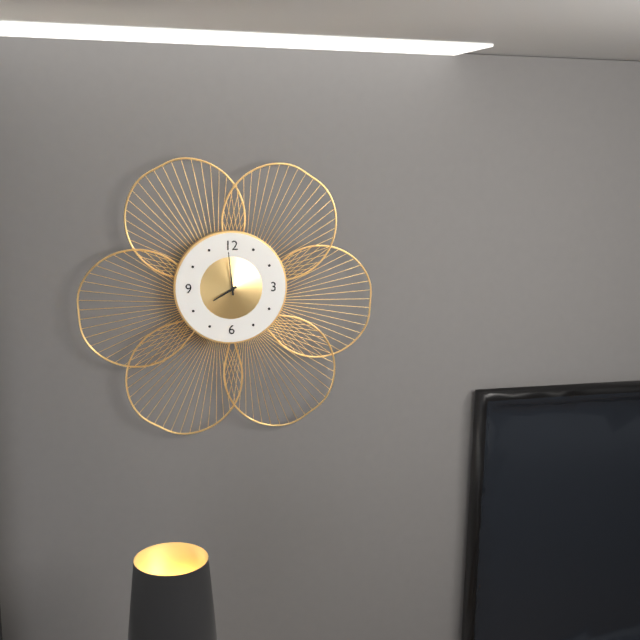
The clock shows h=7 m=59
